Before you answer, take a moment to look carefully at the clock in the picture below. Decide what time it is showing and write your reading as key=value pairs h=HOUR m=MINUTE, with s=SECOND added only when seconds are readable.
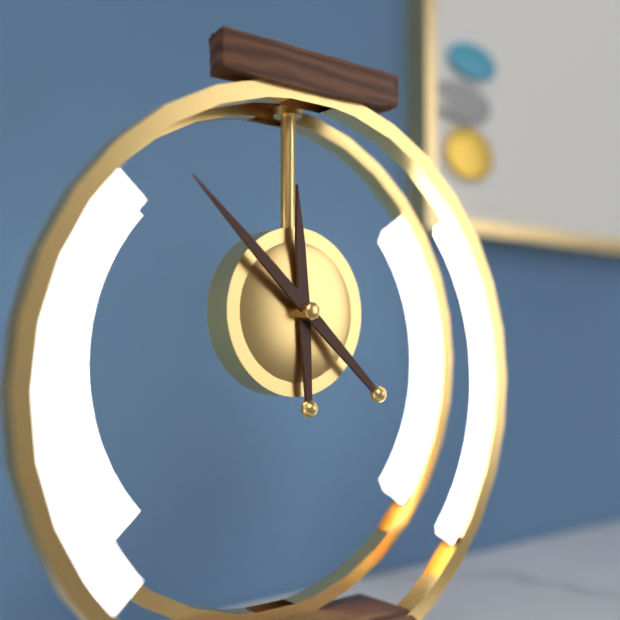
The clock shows h=11 m=52
